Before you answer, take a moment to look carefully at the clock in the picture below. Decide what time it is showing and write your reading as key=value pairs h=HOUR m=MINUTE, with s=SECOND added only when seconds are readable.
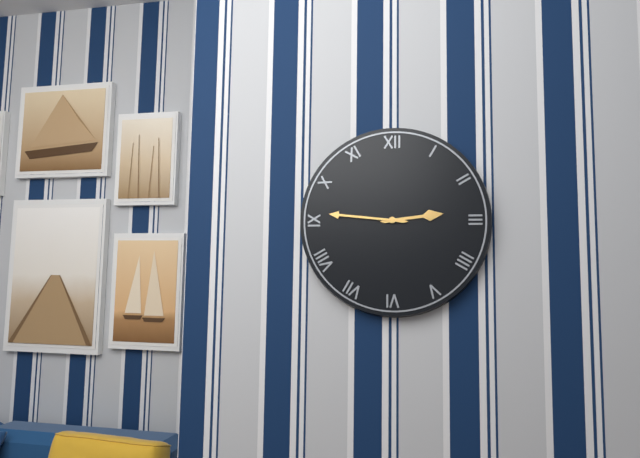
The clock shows h=2 m=46
